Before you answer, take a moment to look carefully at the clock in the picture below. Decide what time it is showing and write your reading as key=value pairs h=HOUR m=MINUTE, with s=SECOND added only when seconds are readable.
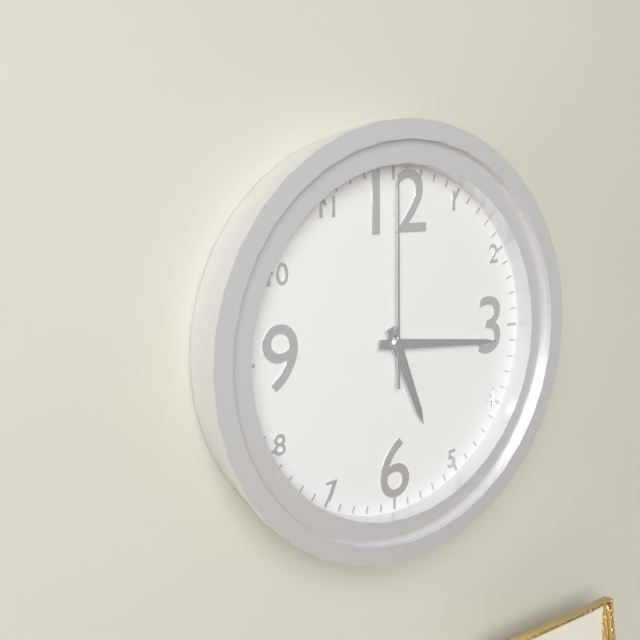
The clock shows h=5 m=16 s=0
